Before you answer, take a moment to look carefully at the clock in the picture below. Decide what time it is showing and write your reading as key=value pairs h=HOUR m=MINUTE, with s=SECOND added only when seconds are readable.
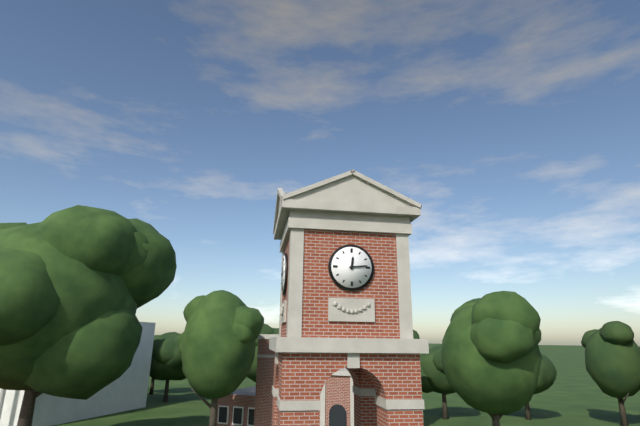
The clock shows h=12 m=14
